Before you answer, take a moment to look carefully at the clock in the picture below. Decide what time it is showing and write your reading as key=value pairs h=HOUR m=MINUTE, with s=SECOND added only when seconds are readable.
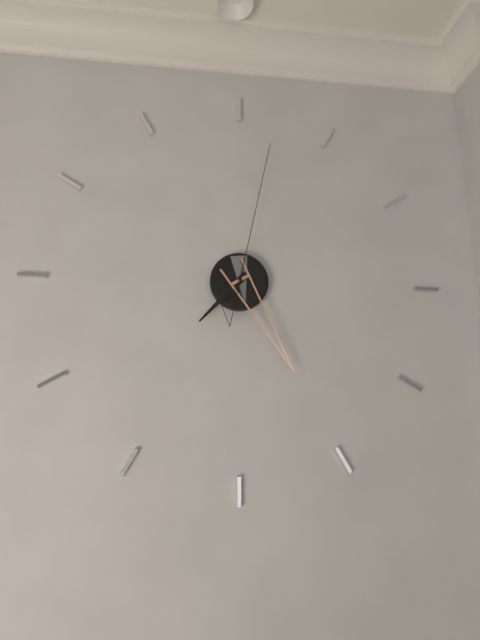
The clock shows h=7 m=25 s=2
